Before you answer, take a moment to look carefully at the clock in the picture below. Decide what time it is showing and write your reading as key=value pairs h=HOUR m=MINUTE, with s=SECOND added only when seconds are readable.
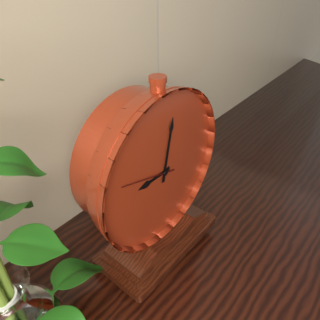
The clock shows h=9 m=2 s=48
